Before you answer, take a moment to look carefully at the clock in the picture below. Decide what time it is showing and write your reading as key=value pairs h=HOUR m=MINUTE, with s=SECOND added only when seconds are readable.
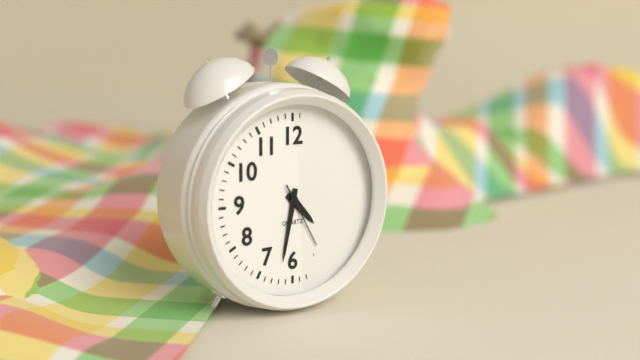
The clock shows h=4 m=32 s=25
